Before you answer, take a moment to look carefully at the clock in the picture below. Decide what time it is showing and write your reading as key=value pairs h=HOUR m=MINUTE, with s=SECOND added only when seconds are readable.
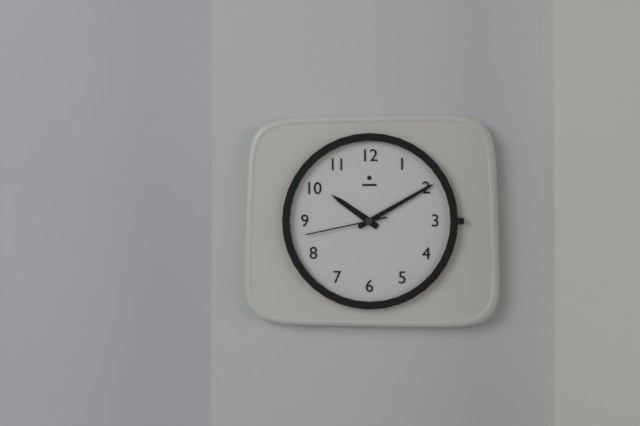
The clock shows h=10 m=10 s=43
